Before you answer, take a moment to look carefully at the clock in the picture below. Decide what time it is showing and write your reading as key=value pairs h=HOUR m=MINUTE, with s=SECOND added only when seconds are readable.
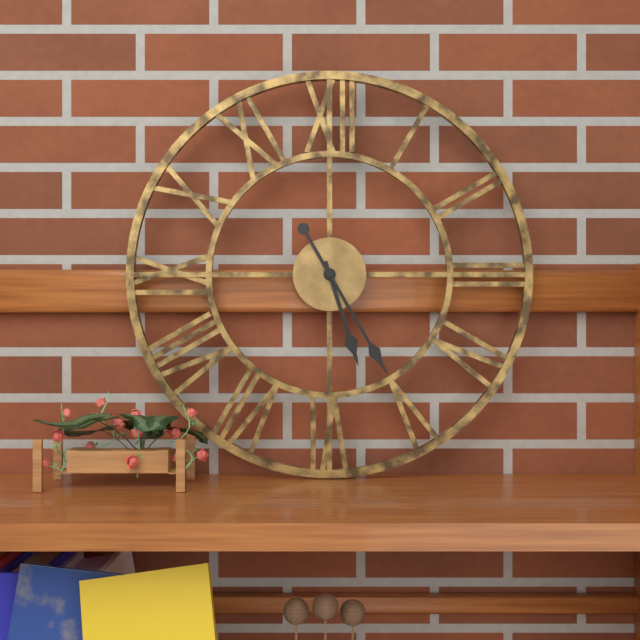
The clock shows h=5 m=25
